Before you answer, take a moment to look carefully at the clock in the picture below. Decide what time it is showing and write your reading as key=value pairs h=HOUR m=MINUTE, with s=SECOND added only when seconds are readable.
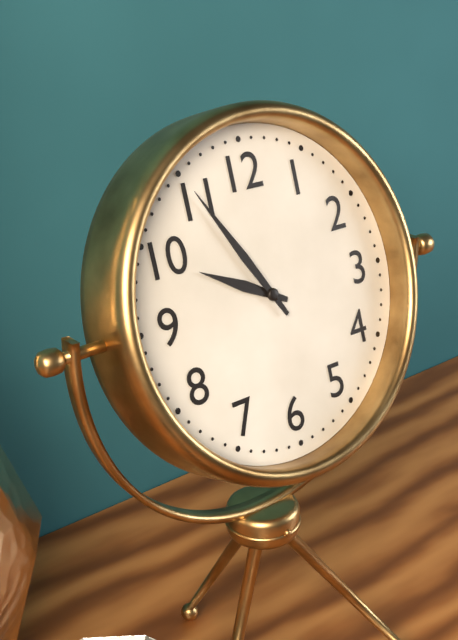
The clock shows h=9 m=55
